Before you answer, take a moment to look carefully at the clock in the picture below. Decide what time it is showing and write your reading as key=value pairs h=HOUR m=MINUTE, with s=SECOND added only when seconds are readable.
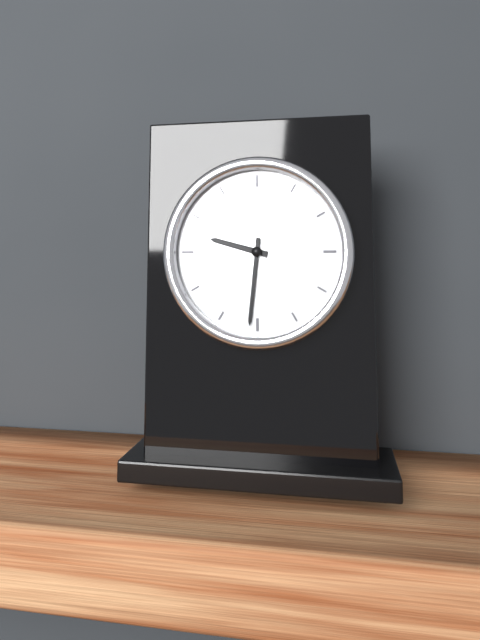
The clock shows h=9 m=31
